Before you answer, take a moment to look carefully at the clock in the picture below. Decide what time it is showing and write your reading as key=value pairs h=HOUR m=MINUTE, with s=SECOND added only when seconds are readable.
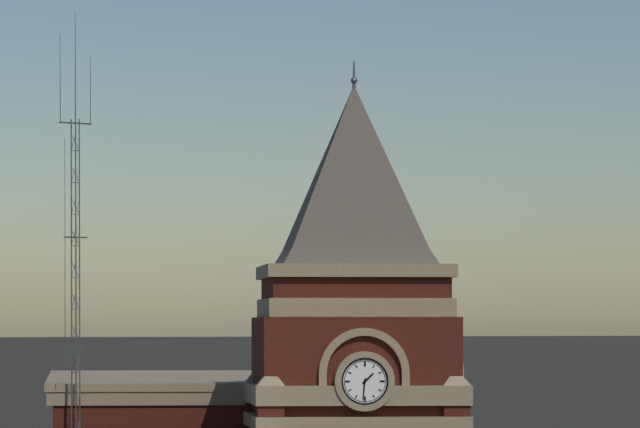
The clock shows h=1 m=31
